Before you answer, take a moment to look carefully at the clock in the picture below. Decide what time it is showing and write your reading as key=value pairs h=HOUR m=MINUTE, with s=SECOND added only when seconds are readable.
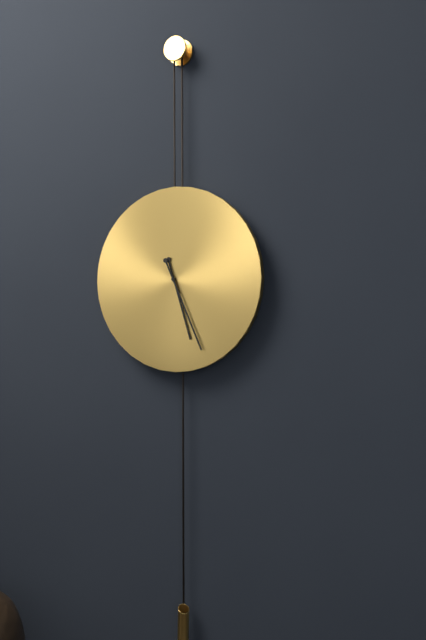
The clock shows h=5 m=26
